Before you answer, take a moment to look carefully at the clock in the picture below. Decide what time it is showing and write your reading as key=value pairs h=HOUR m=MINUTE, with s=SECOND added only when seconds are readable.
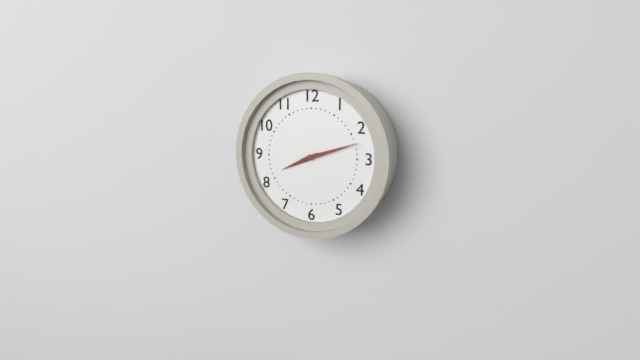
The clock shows h=8 m=12
